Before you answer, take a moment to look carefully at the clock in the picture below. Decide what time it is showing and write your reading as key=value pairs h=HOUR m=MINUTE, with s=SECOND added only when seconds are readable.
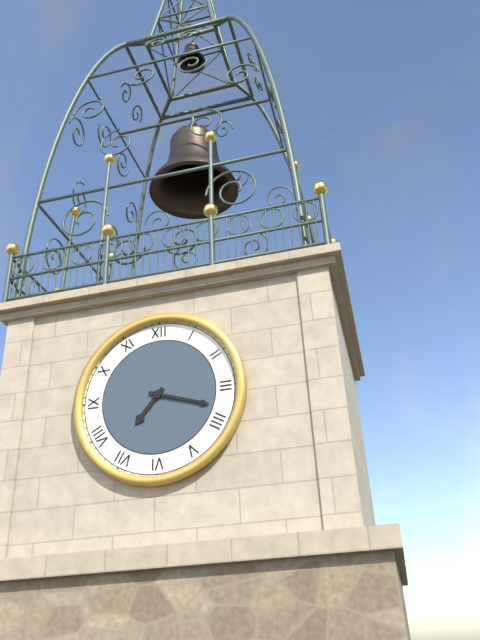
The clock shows h=7 m=18
